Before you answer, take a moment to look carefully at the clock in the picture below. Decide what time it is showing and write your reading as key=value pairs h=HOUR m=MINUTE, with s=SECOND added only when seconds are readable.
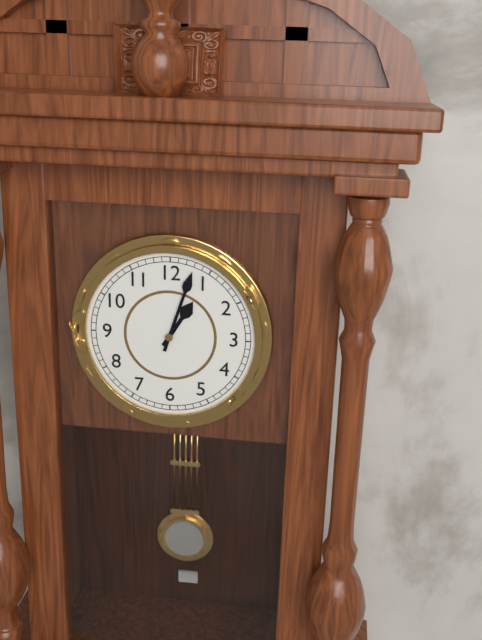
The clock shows h=1 m=3
